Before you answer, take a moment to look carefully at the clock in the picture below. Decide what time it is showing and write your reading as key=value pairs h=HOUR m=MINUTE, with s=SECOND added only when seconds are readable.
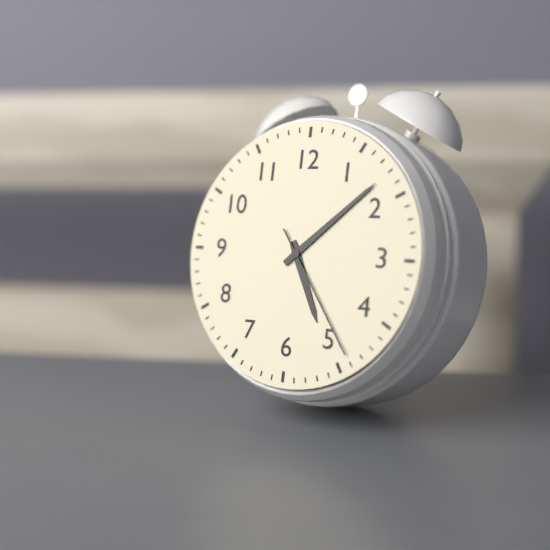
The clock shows h=5 m=8 s=24
